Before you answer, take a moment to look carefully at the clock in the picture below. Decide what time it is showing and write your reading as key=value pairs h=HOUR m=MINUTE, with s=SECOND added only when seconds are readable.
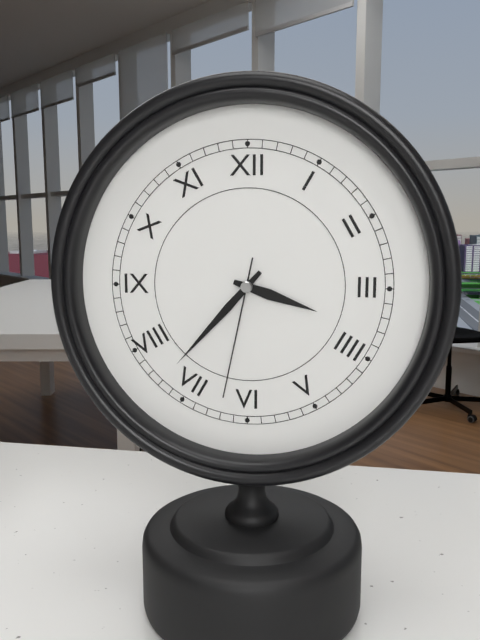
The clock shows h=3 m=37 s=32
